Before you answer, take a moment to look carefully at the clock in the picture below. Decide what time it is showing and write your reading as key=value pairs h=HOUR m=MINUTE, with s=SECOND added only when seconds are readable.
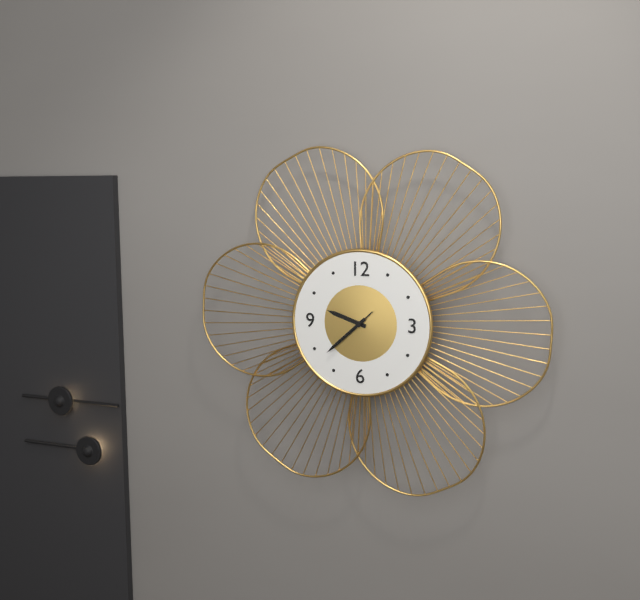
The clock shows h=9 m=38 s=38
